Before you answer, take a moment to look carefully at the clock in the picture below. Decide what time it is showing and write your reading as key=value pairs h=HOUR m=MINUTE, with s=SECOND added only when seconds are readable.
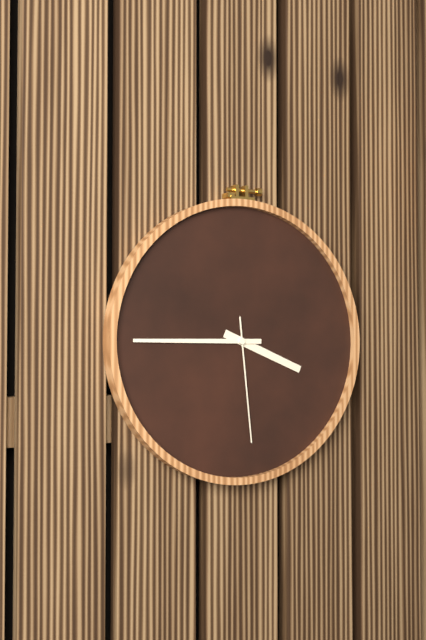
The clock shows h=3 m=45 s=29
